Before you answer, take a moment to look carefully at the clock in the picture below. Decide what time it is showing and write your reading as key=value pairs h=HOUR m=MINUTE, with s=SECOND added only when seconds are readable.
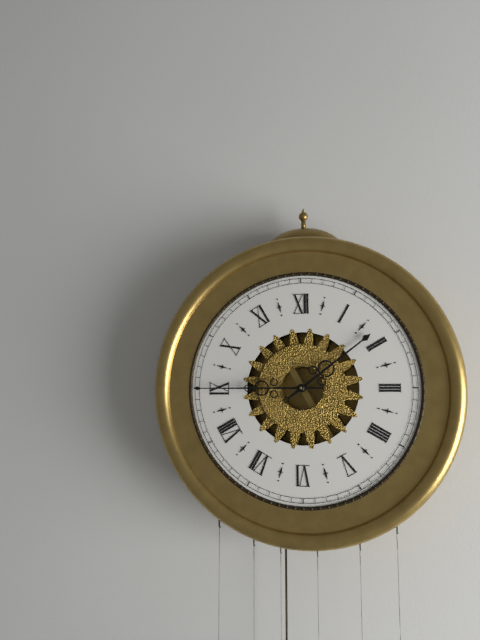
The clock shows h=1 m=45
